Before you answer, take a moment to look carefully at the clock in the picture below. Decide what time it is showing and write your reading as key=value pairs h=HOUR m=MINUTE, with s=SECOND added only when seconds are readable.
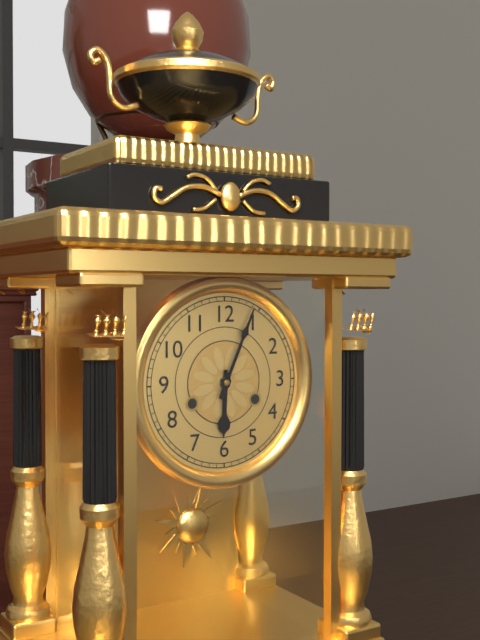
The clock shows h=6 m=4
